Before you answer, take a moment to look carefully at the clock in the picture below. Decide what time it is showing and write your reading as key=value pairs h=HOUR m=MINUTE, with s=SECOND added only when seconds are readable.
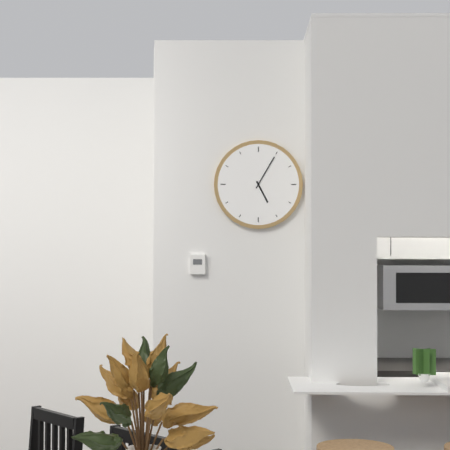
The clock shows h=5 m=5
